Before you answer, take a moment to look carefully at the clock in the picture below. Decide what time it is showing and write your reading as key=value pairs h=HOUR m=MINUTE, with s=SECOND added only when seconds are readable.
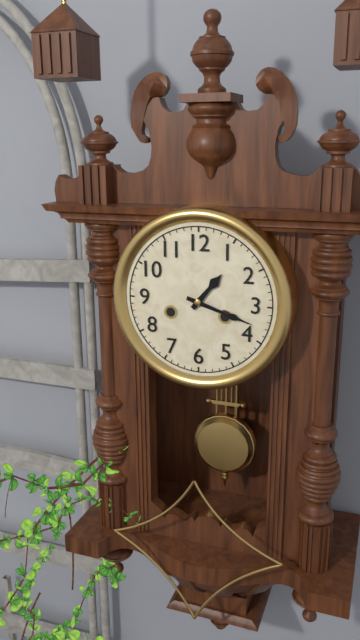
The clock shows h=1 m=18
